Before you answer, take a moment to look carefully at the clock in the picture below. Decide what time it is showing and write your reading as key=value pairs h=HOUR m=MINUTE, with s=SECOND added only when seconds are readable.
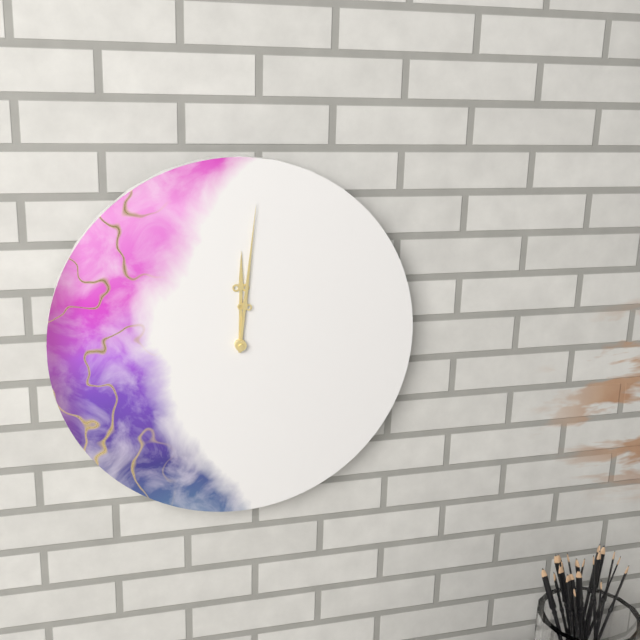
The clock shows h=12 m=1
